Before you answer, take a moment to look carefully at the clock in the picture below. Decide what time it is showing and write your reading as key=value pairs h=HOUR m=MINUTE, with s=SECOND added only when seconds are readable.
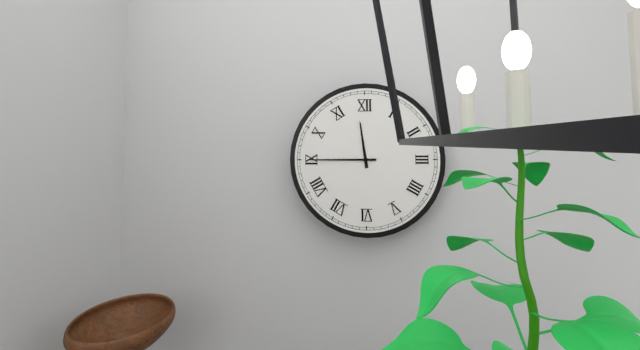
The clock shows h=11 m=45
